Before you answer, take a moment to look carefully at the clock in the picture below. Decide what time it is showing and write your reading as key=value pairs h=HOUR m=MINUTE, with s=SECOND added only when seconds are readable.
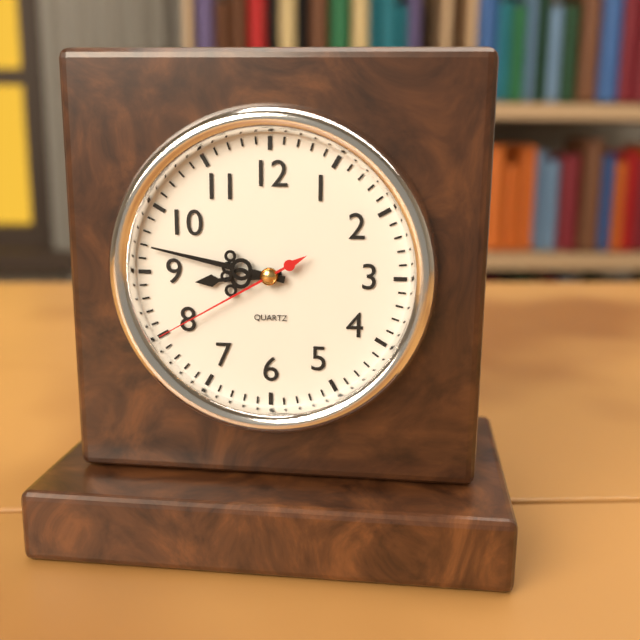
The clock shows h=8 m=47 s=40
